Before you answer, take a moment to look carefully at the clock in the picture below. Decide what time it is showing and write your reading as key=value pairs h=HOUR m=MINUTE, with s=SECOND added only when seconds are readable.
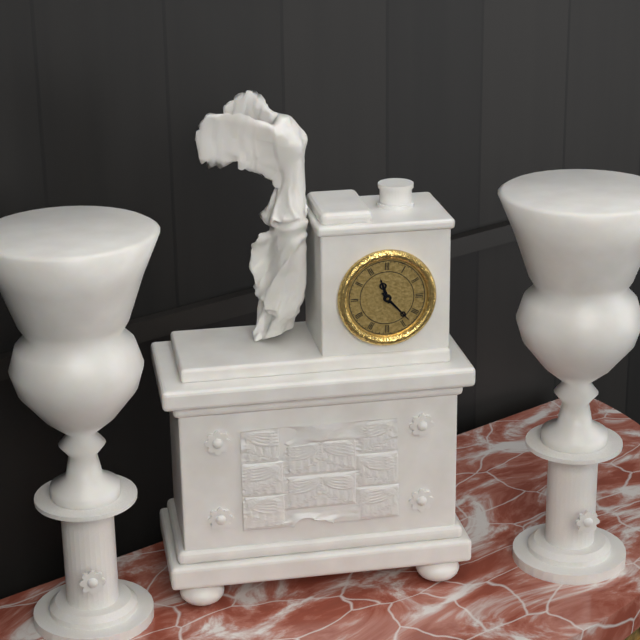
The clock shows h=11 m=23
